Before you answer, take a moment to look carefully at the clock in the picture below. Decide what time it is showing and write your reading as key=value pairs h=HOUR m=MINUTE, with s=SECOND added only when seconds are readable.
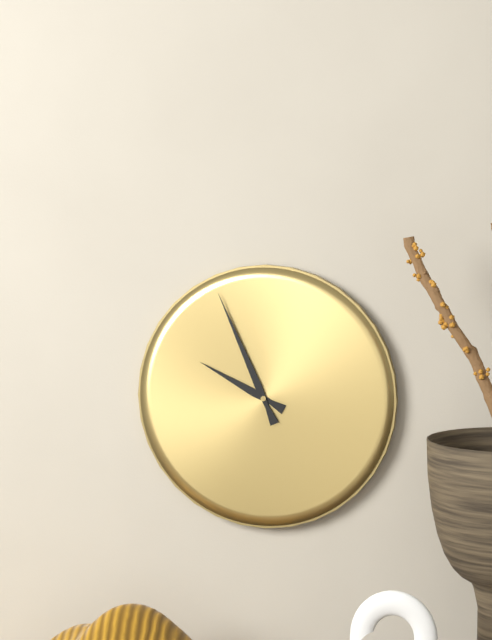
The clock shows h=9 m=56
